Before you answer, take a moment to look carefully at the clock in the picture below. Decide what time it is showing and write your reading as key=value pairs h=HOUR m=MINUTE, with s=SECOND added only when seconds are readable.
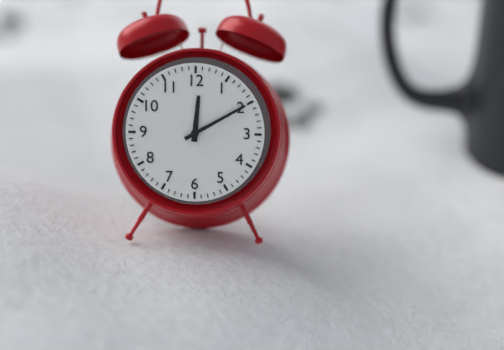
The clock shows h=12 m=10
